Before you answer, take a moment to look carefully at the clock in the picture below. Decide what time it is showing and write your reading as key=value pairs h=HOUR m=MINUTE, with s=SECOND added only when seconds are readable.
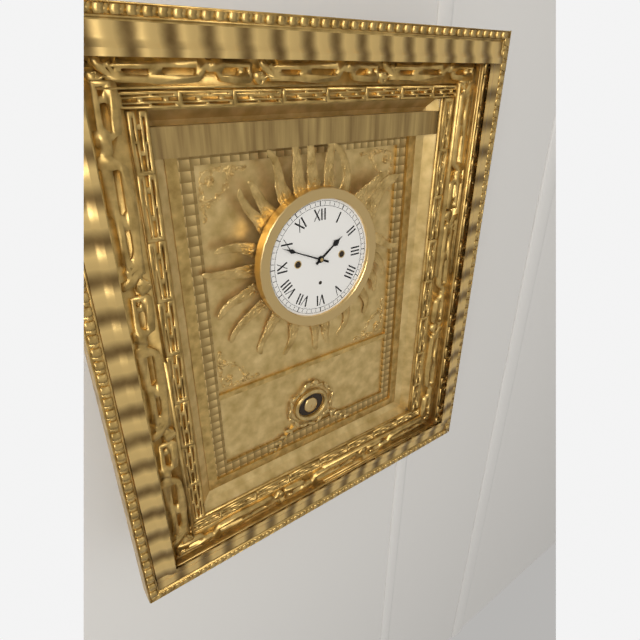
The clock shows h=1 m=49
